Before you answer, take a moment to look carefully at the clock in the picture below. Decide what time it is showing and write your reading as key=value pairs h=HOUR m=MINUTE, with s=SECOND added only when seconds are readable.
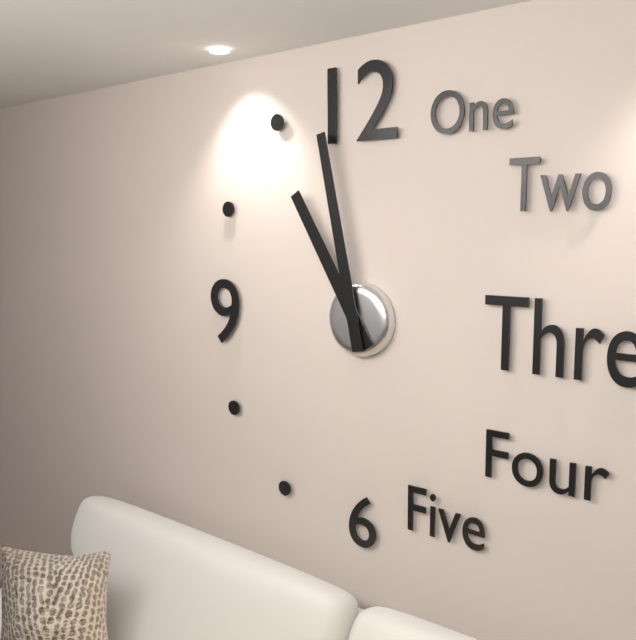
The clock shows h=10 m=58
